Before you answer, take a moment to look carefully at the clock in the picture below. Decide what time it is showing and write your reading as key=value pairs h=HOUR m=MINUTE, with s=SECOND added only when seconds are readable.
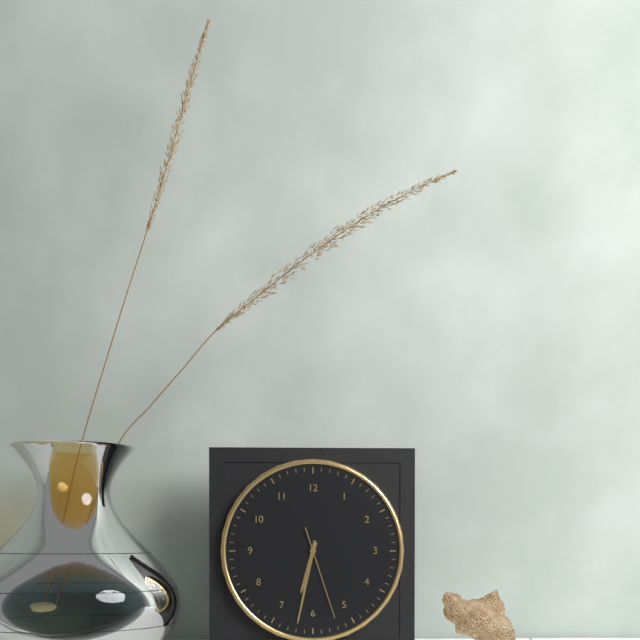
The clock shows h=6 m=32 s=27
